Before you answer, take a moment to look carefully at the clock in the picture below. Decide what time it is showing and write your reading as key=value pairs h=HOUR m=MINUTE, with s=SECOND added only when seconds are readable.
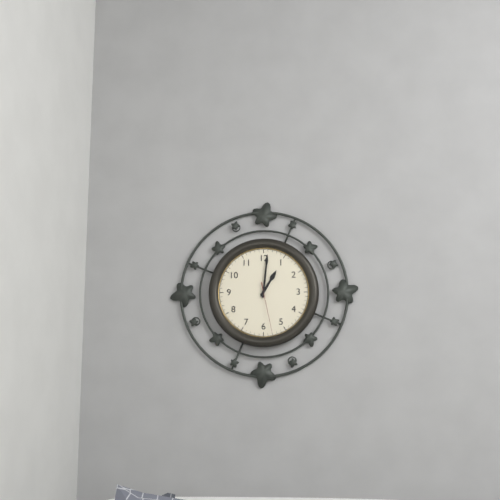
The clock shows h=1 m=1 s=28
